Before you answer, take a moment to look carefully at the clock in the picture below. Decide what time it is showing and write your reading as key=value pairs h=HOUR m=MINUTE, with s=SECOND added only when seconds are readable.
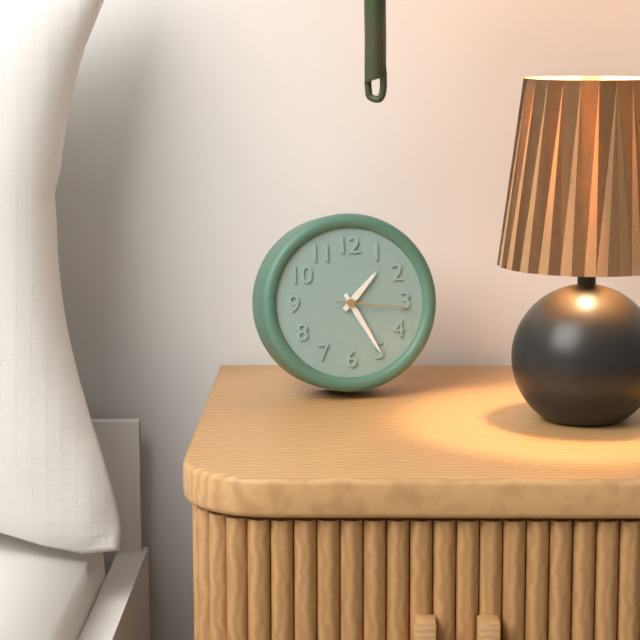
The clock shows h=1 m=25 s=16
